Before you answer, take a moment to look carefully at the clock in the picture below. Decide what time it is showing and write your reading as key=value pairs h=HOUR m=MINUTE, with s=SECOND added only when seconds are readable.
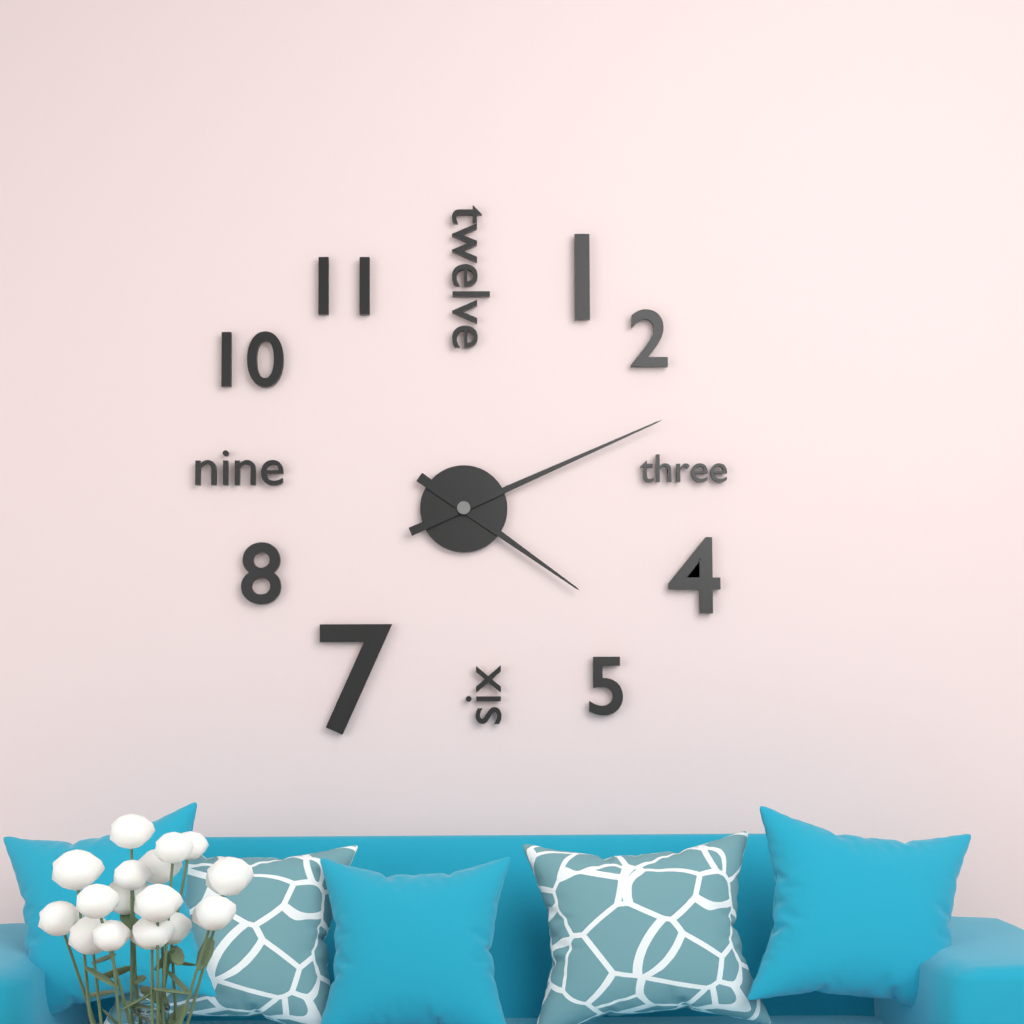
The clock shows h=4 m=11
